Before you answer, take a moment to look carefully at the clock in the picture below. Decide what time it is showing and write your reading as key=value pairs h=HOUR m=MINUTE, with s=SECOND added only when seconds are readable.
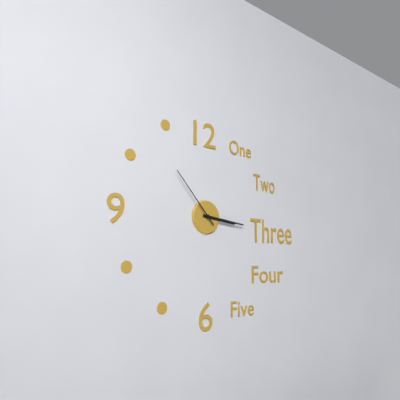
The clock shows h=3 m=16 s=53
